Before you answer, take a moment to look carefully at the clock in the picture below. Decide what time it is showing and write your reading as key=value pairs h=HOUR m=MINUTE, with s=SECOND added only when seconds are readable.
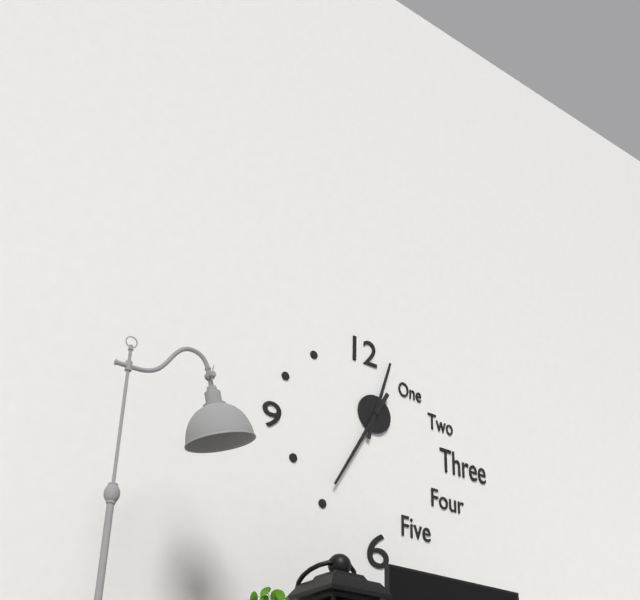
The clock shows h=12 m=35
